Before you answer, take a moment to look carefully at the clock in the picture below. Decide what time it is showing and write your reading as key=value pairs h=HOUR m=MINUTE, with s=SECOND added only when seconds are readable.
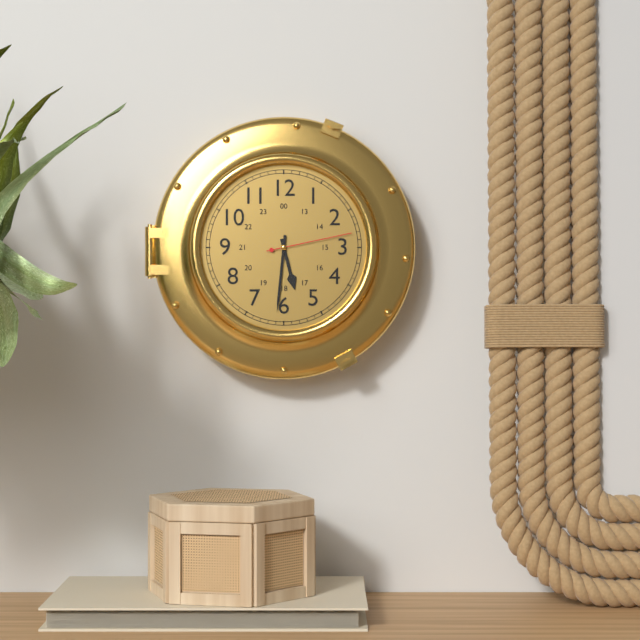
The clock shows h=5 m=31 s=13
